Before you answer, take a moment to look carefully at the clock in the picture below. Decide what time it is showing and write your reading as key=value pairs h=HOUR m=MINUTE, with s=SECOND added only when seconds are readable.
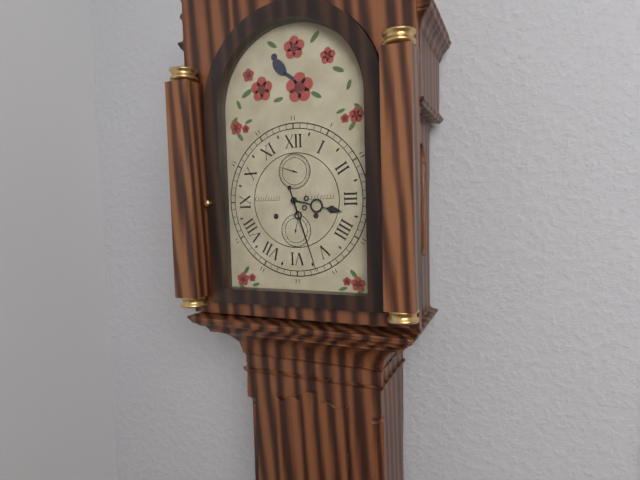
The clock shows h=3 m=27
